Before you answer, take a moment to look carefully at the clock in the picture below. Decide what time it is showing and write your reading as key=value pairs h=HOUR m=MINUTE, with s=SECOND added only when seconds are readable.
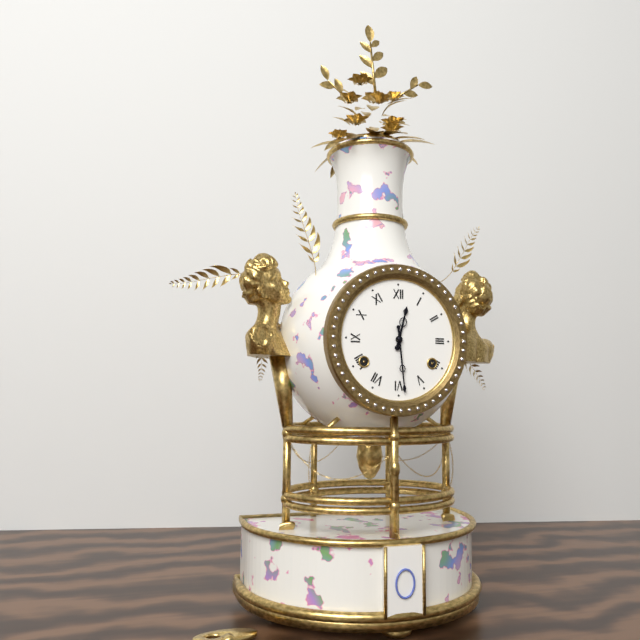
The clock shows h=12 m=29
